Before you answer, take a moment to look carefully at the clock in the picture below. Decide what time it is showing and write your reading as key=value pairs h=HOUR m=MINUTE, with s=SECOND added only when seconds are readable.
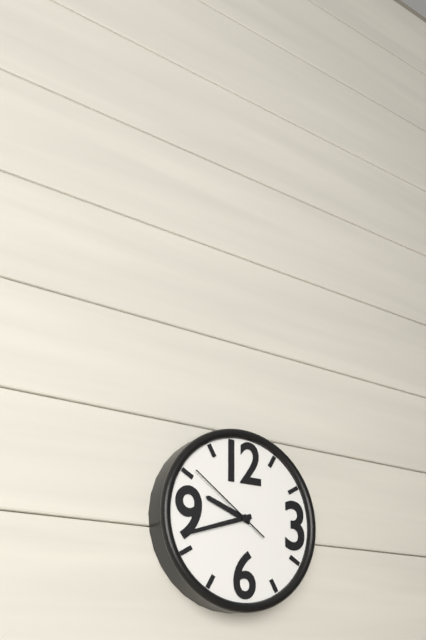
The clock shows h=9 m=42 s=51
